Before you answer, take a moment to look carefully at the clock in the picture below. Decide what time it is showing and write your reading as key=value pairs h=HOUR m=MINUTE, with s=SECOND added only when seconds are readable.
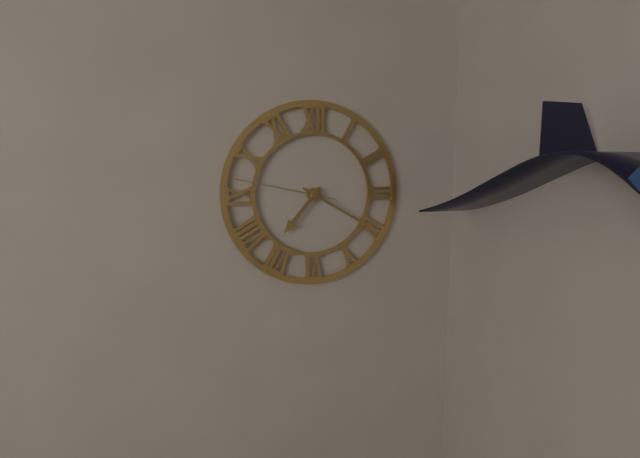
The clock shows h=7 m=20 s=47
